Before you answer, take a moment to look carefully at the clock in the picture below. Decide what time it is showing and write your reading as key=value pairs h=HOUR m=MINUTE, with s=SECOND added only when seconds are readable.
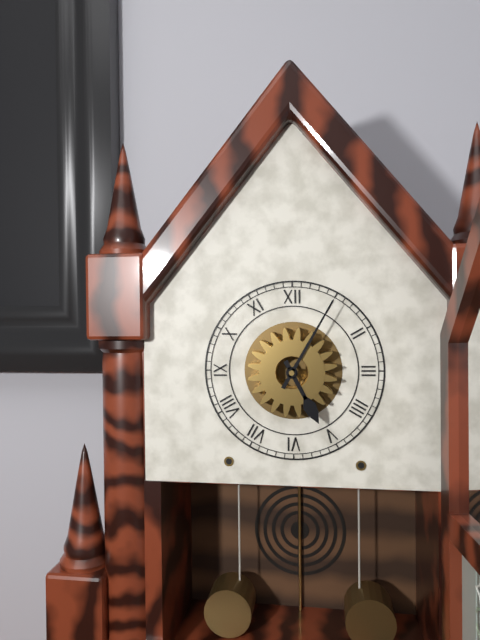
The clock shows h=5 m=5
